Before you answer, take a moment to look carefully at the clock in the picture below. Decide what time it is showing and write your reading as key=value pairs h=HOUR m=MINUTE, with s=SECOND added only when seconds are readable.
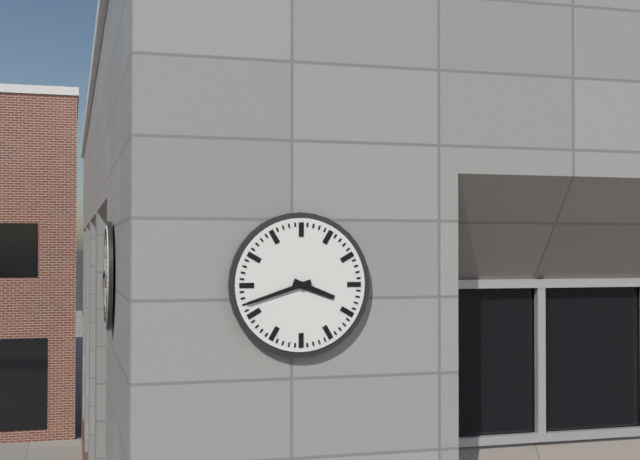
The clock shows h=3 m=42
